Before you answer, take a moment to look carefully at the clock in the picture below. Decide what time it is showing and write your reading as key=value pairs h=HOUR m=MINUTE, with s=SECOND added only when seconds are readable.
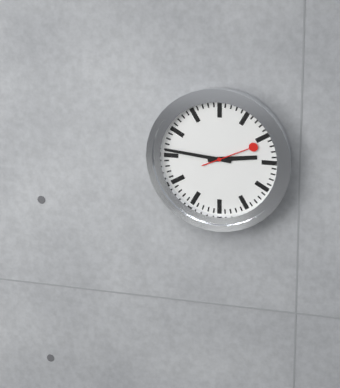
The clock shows h=2 m=46 s=11
